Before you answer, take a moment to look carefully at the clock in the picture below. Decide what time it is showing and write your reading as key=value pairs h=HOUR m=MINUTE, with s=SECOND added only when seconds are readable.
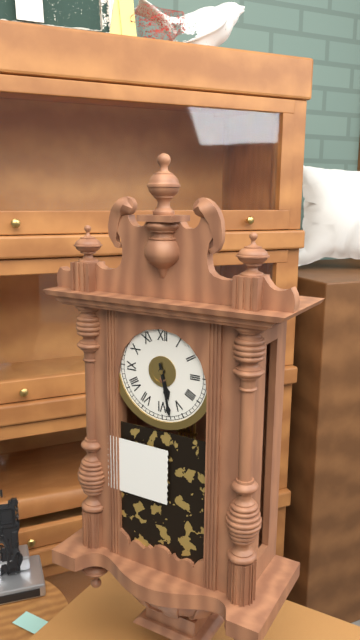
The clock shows h=5 m=28
